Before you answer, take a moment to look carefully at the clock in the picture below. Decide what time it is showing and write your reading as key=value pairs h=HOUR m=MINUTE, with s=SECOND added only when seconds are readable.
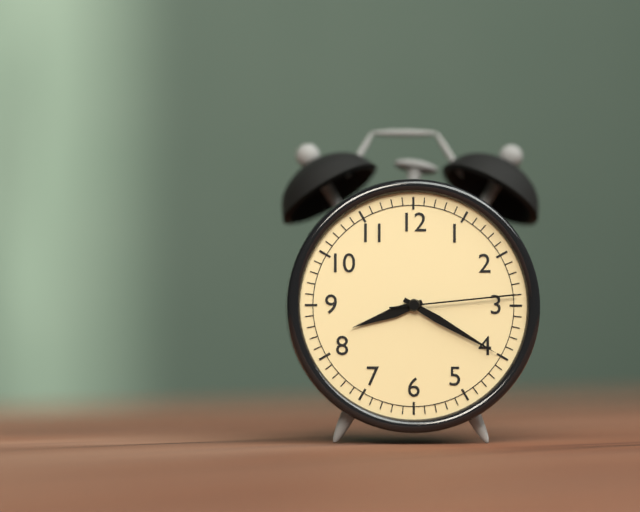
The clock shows h=8 m=20 s=14
